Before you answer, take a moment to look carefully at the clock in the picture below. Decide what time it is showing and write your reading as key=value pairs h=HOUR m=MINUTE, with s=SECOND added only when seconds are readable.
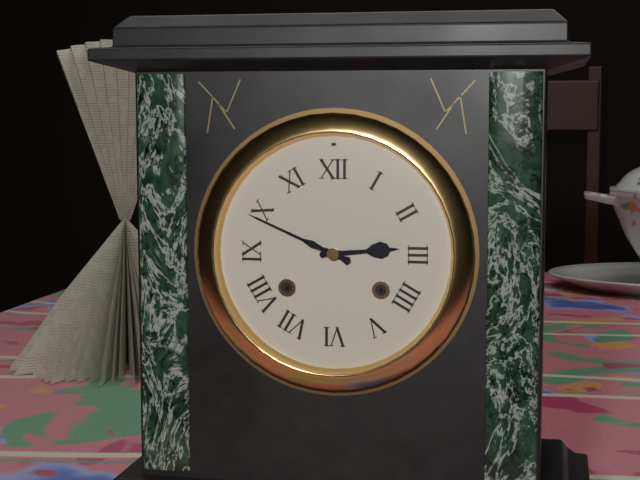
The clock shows h=2 m=49
